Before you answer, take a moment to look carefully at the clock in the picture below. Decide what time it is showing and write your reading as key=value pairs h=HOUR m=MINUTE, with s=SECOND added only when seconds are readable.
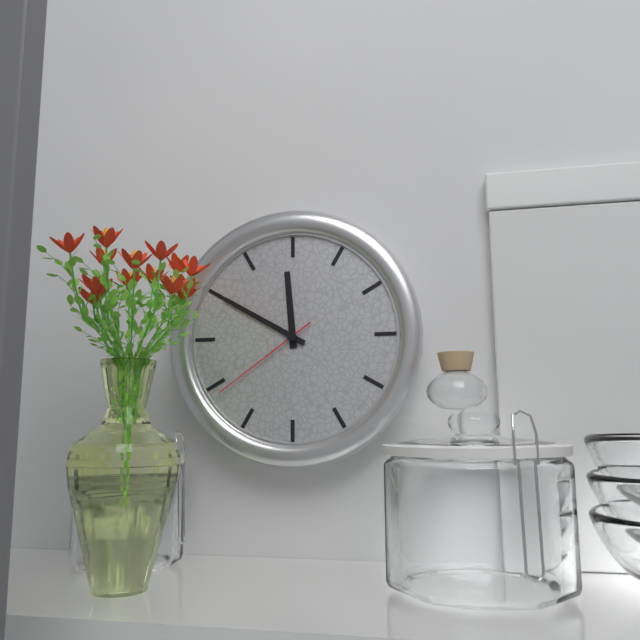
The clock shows h=11 m=50 s=39
